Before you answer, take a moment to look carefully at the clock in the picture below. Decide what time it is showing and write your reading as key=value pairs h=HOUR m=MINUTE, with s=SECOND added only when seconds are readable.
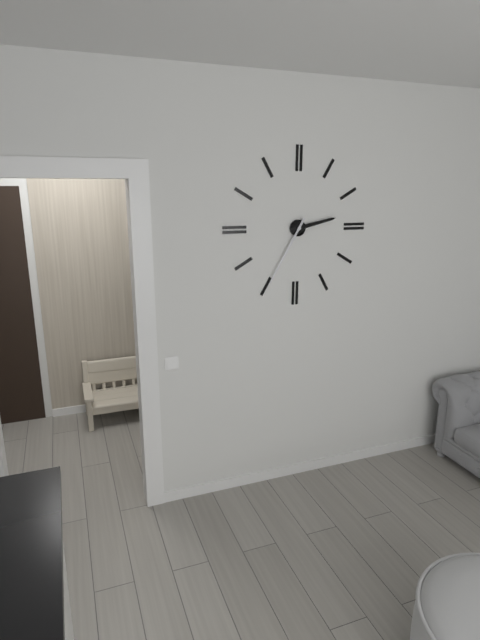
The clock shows h=2 m=35
